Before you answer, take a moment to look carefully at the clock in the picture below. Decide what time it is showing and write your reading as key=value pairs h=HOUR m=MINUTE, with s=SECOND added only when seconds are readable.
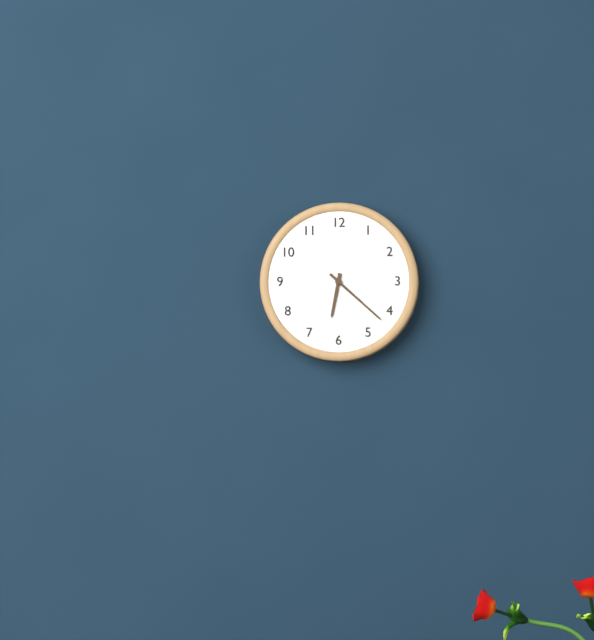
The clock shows h=6 m=22
